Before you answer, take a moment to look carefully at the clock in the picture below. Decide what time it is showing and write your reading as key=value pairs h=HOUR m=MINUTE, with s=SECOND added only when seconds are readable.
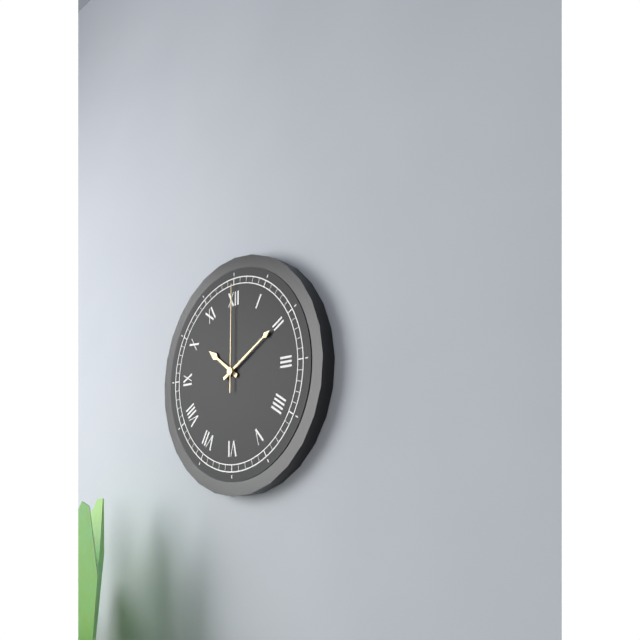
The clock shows h=10 m=10 s=0
